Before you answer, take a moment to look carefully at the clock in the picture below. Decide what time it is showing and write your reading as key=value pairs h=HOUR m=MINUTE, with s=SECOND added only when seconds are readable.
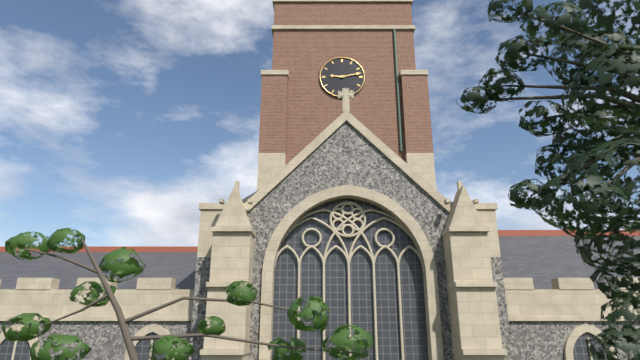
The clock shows h=9 m=13
